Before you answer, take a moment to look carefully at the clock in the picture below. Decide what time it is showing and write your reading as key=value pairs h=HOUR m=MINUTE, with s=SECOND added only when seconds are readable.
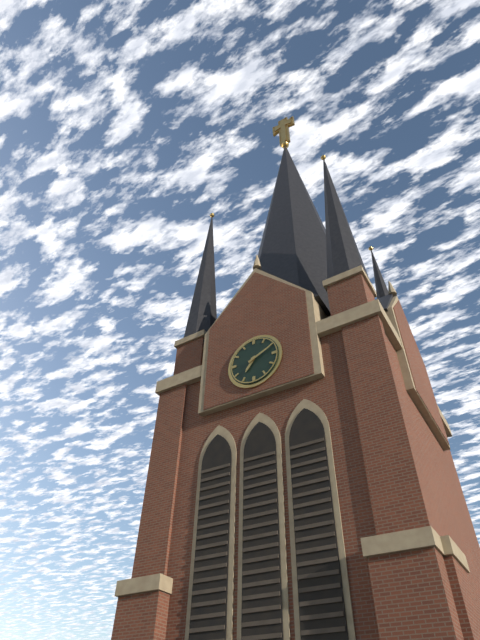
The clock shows h=7 m=11
